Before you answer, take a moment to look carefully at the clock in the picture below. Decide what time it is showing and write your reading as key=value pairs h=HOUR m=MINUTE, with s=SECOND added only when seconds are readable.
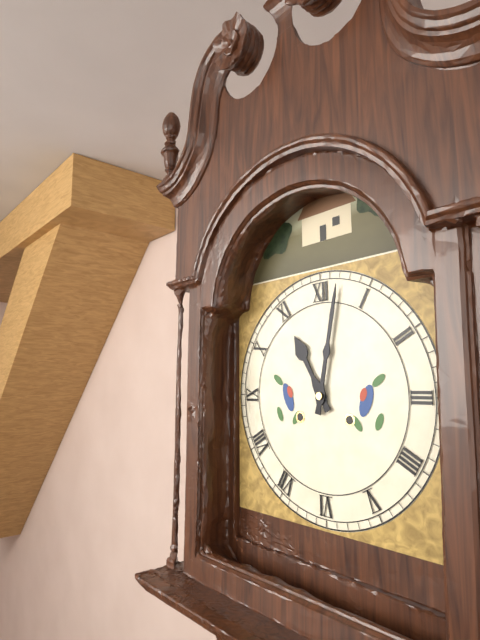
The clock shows h=11 m=2
